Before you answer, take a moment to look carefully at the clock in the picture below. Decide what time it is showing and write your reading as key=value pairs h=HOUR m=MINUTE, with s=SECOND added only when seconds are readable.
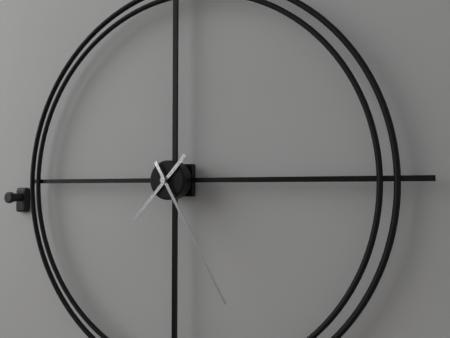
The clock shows h=7 m=25
